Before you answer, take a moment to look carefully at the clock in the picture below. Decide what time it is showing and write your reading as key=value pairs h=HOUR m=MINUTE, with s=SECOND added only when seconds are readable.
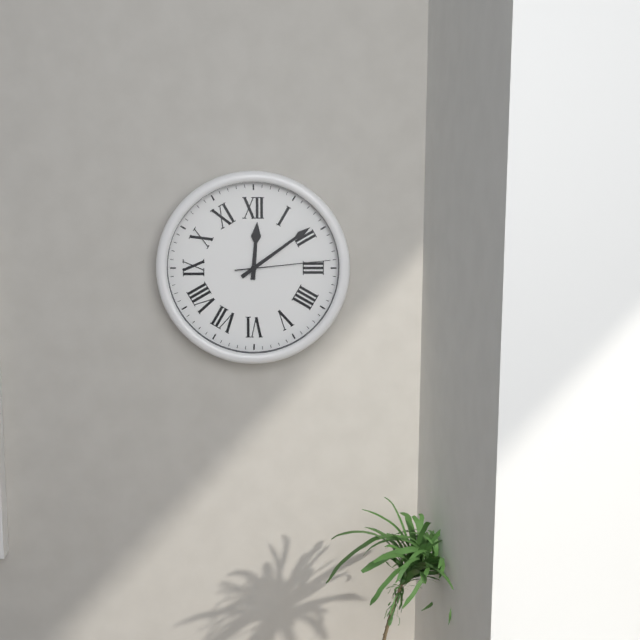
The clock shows h=12 m=9 s=14
